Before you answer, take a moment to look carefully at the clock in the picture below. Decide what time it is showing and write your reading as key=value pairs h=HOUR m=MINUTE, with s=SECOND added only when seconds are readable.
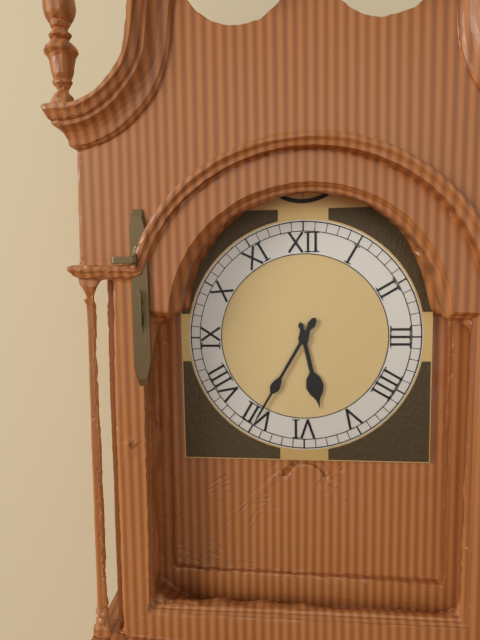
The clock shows h=5 m=35
